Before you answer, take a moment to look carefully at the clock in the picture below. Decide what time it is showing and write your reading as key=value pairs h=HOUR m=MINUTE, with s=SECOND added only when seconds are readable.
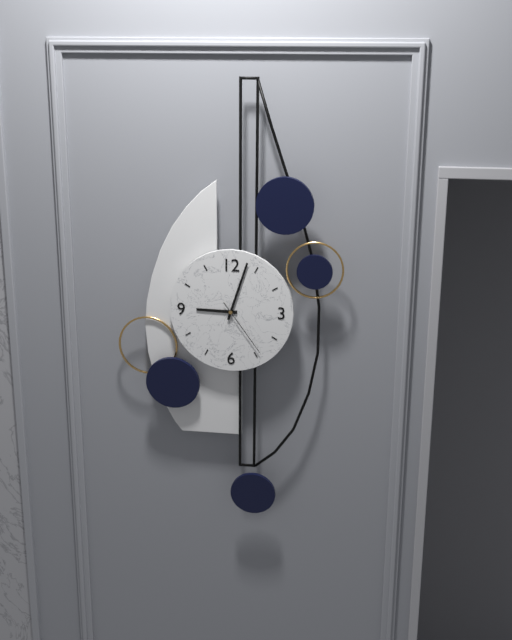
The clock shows h=9 m=3 s=24
